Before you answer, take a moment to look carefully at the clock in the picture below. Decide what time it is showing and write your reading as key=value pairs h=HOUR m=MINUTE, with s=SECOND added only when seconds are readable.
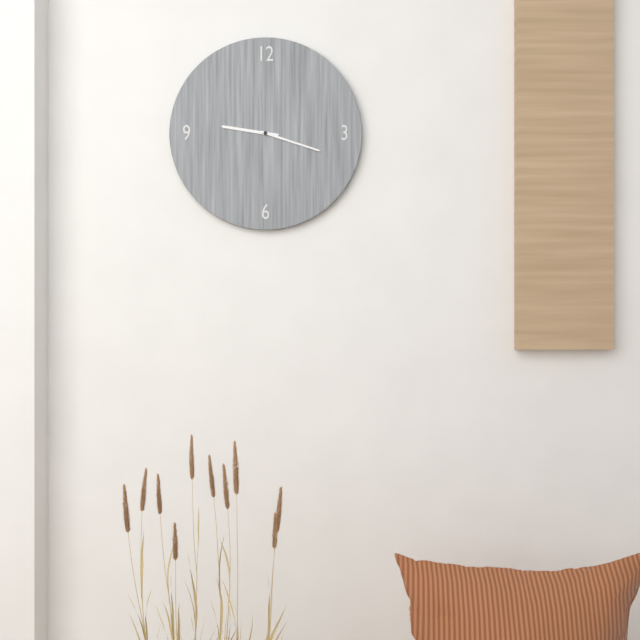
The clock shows h=9 m=18
